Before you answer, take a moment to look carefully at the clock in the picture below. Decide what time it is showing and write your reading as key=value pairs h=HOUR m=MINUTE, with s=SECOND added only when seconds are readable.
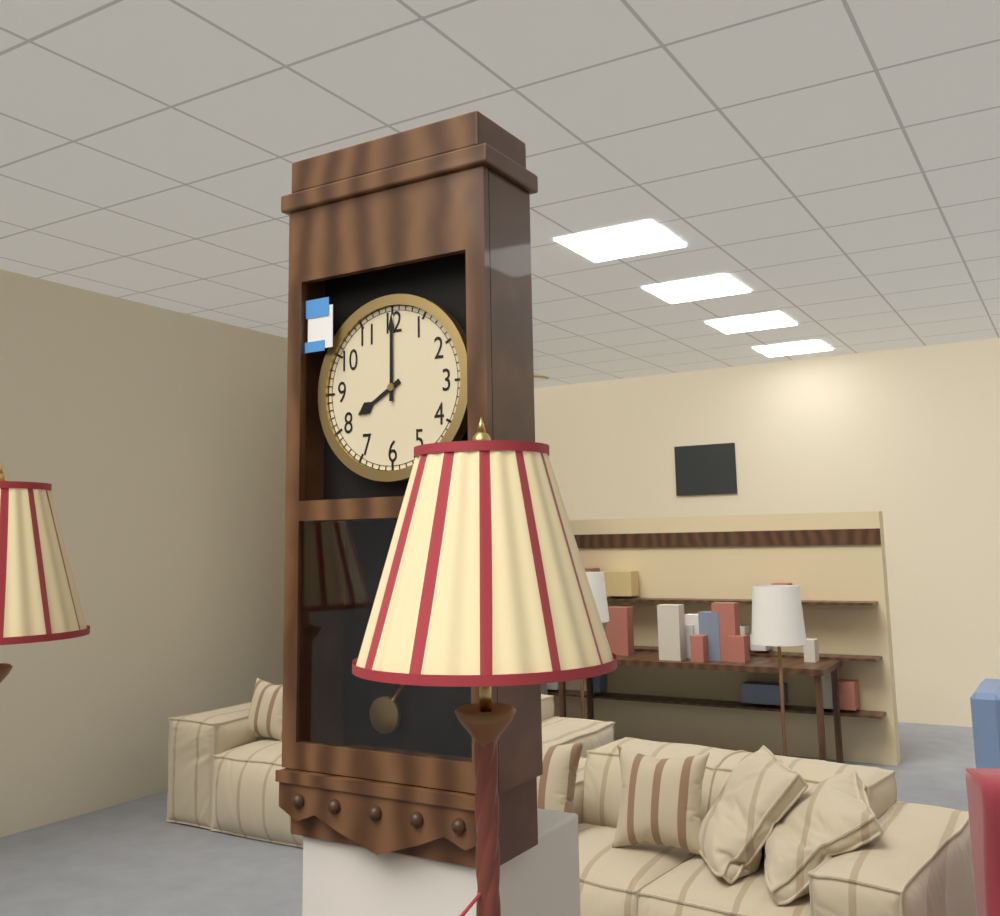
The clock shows h=8 m=0
